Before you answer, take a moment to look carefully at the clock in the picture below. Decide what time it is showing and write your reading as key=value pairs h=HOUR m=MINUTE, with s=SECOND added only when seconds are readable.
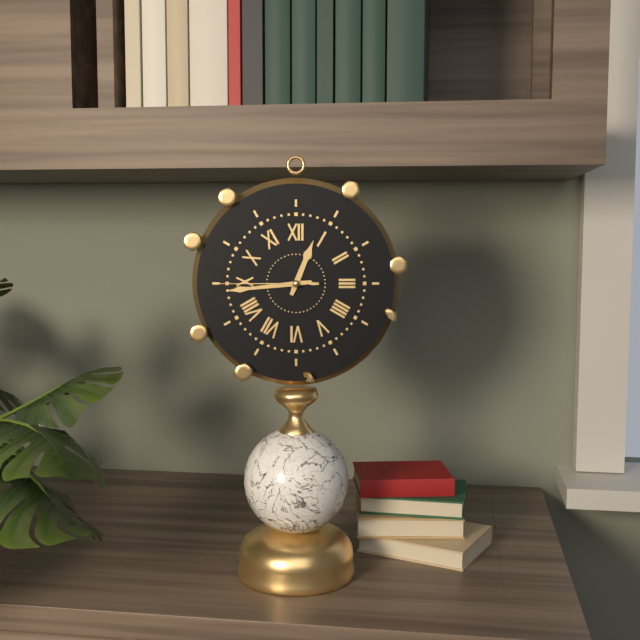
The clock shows h=12 m=44 s=45
